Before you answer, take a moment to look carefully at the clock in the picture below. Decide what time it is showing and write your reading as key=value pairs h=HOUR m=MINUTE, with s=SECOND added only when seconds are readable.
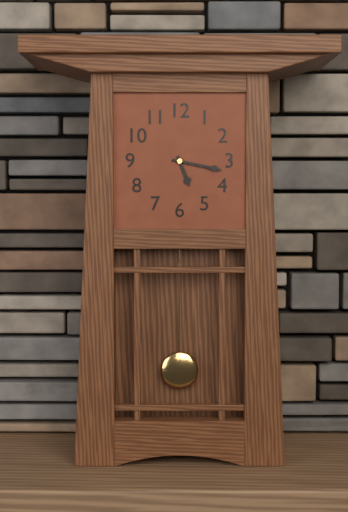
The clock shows h=5 m=17
